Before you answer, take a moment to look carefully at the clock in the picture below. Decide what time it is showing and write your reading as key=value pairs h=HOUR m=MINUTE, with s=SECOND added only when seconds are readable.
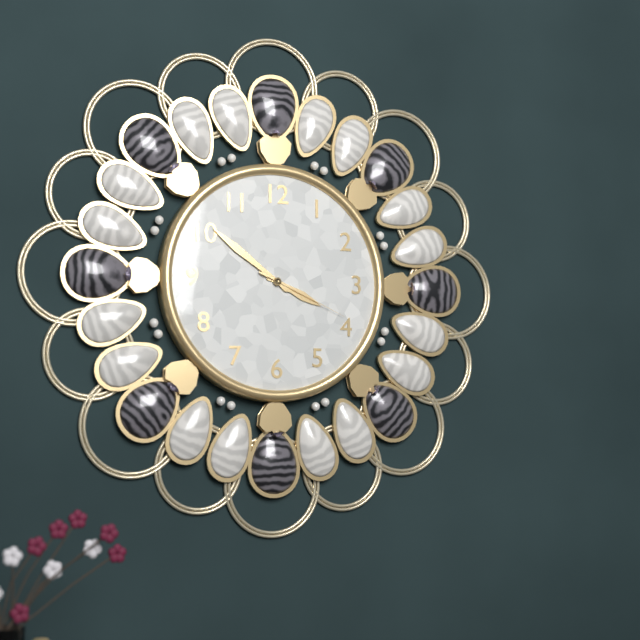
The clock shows h=3 m=51 s=19
